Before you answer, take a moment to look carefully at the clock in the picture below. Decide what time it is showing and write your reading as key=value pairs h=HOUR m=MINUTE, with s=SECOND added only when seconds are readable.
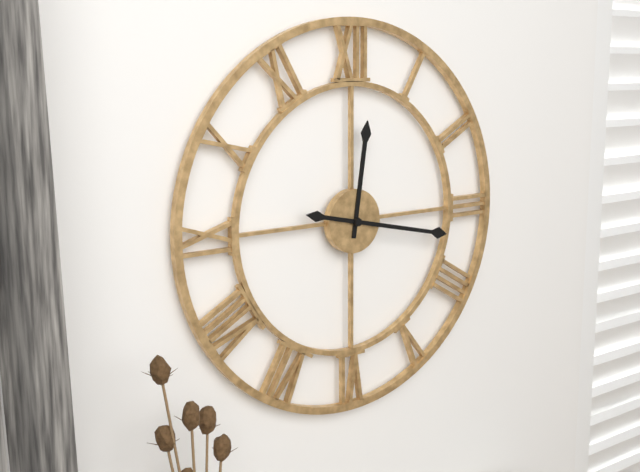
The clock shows h=12 m=17
